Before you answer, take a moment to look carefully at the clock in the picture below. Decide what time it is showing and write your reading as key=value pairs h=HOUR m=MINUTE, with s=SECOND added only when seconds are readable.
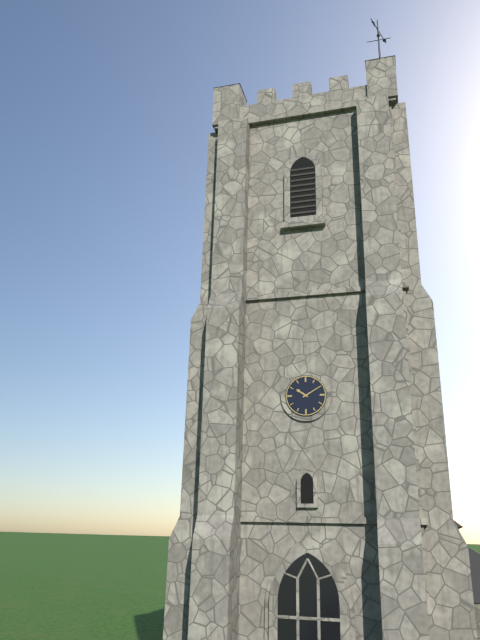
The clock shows h=10 m=10
